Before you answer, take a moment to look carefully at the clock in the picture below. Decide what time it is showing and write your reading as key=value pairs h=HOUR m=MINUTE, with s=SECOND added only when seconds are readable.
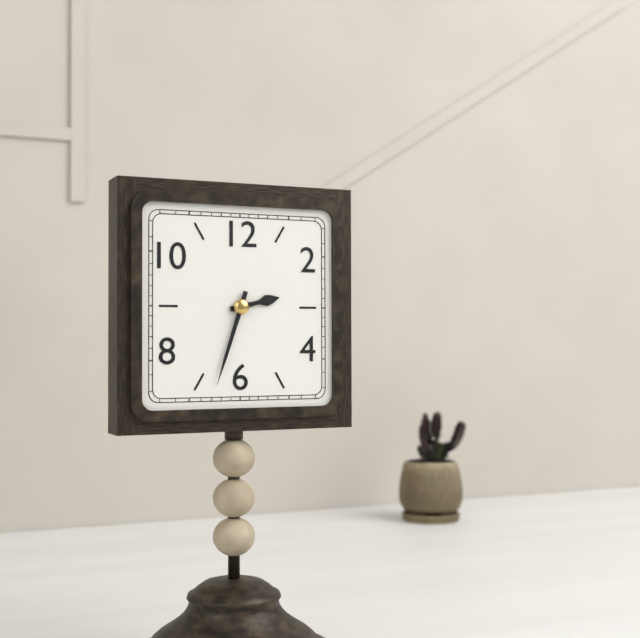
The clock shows h=2 m=33
